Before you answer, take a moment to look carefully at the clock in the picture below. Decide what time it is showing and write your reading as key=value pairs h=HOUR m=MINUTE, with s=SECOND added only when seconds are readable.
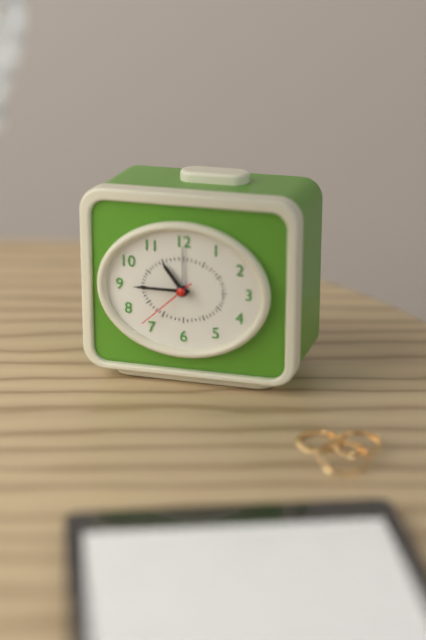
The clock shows h=10 m=45 s=38
